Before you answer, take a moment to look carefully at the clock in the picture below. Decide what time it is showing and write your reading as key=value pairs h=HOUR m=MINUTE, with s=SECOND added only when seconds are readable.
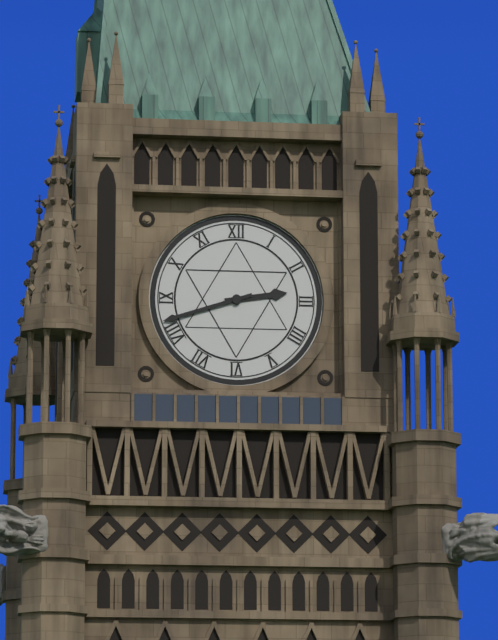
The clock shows h=2 m=42
